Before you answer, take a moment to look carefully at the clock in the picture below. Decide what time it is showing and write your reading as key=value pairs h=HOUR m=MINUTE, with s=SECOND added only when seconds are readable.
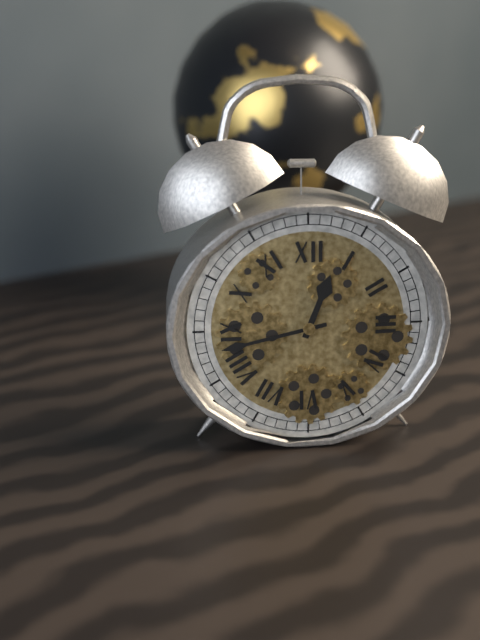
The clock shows h=12 m=43
